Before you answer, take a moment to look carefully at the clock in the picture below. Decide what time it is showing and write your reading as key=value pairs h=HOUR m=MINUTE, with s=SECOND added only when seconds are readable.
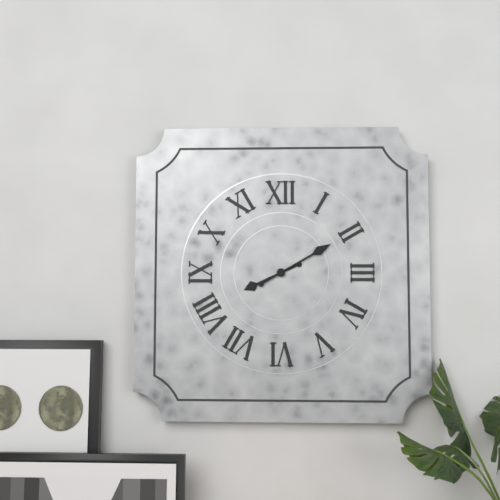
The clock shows h=8 m=10
